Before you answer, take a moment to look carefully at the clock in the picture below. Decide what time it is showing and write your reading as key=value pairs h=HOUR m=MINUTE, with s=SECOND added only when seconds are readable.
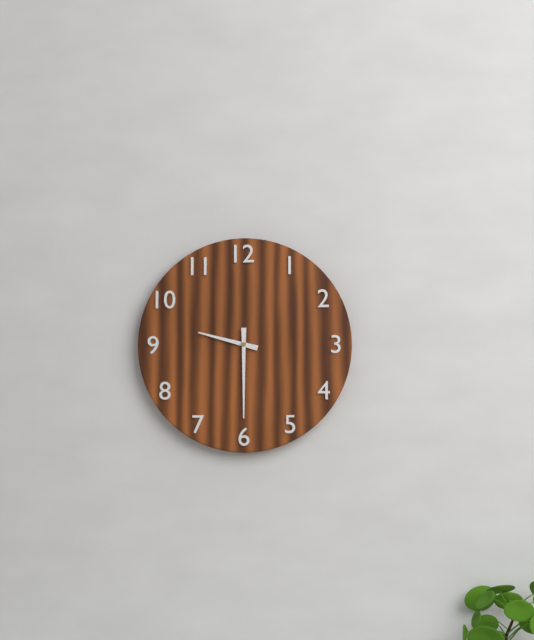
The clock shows h=9 m=30
